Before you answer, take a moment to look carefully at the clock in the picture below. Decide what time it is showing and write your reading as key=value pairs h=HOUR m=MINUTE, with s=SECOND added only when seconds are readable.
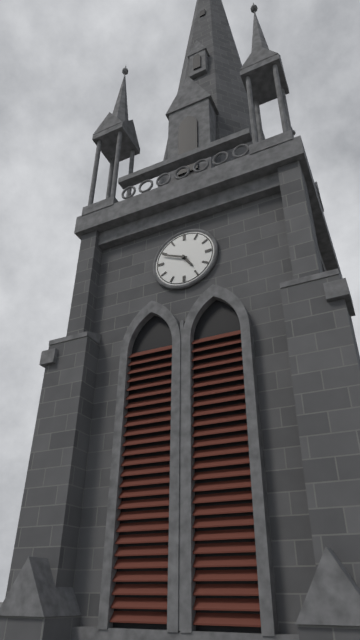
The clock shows h=4 m=49
